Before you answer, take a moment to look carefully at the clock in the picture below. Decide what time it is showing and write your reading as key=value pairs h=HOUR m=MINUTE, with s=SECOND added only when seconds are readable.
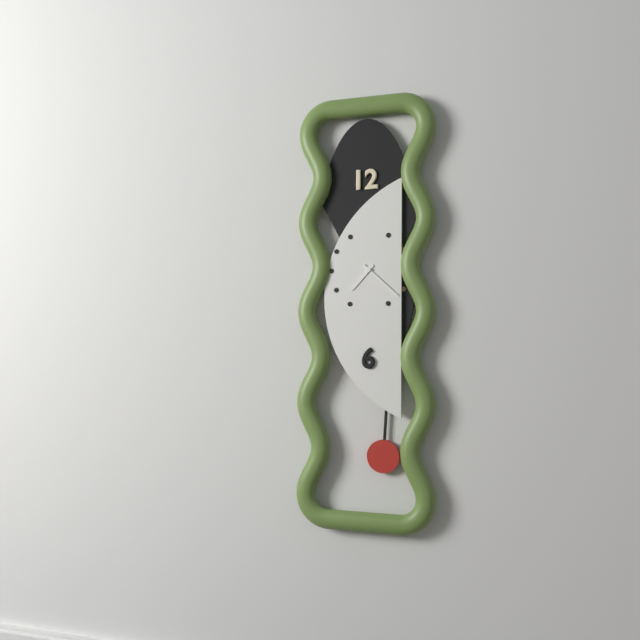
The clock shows h=7 m=22
